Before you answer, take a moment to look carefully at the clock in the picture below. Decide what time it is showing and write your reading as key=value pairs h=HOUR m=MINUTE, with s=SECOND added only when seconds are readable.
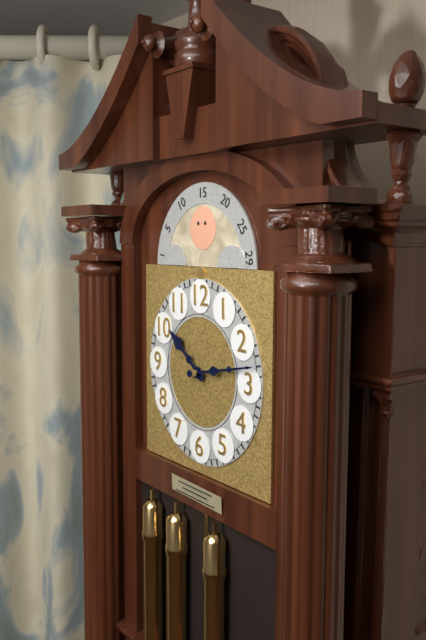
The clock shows h=10 m=13
